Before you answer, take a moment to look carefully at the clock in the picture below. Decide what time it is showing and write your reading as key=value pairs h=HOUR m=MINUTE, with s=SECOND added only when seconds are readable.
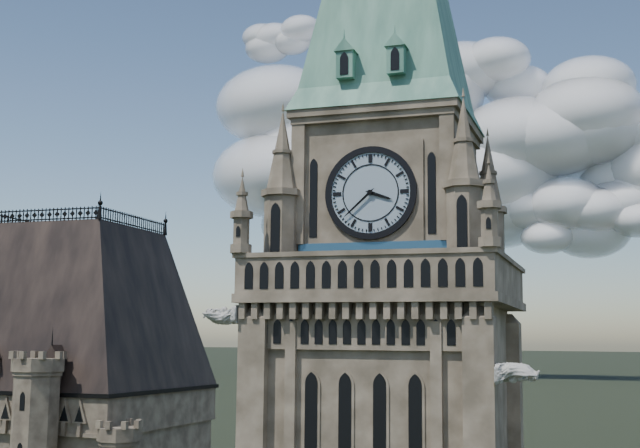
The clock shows h=3 m=38
